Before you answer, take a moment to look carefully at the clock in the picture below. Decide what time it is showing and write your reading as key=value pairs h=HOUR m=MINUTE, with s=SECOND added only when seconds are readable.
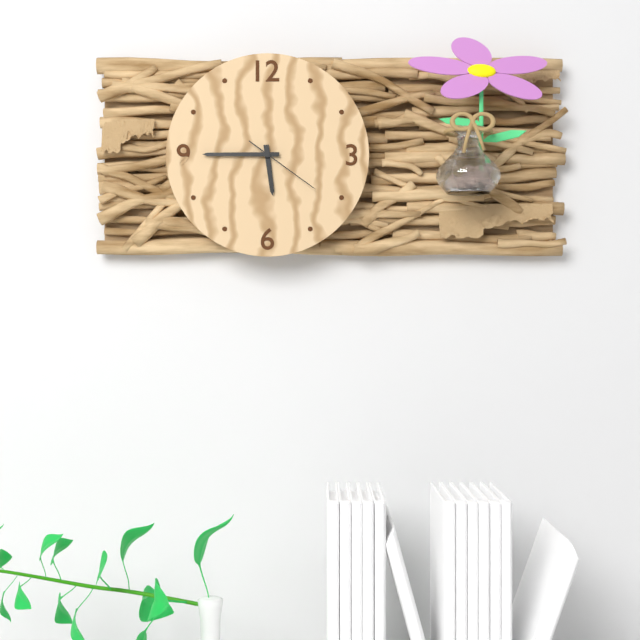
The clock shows h=5 m=45 s=21
